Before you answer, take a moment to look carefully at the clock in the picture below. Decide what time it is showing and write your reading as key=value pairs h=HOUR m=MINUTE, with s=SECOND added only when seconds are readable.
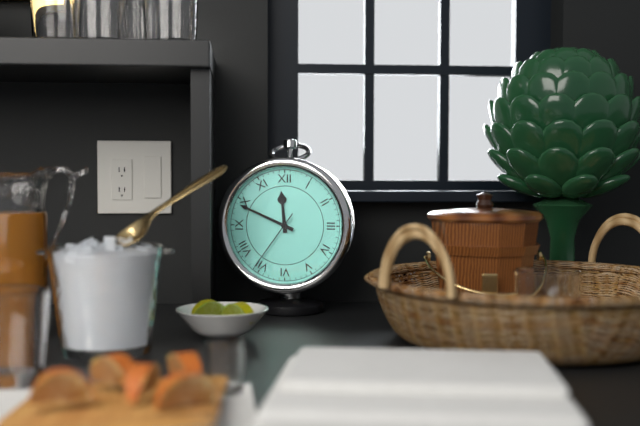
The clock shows h=11 m=49 s=36
